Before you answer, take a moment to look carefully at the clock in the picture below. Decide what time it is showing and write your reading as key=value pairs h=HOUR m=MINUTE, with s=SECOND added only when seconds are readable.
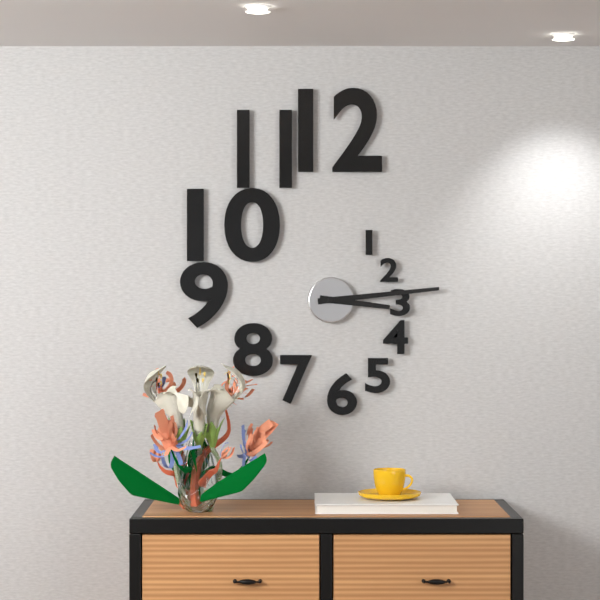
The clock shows h=3 m=14
